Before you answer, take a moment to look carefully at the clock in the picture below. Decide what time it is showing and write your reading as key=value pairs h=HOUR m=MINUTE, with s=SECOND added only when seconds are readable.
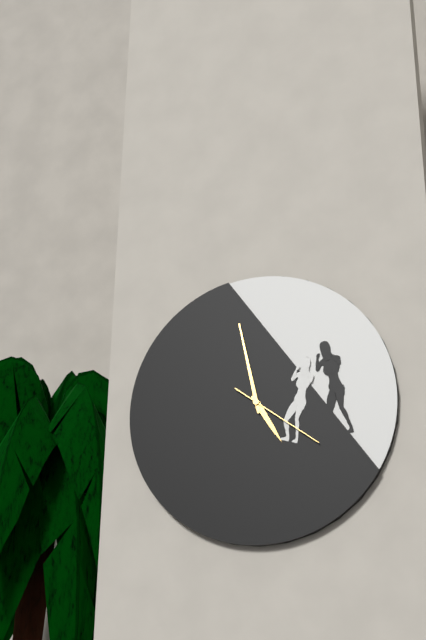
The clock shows h=4 m=58 s=21
